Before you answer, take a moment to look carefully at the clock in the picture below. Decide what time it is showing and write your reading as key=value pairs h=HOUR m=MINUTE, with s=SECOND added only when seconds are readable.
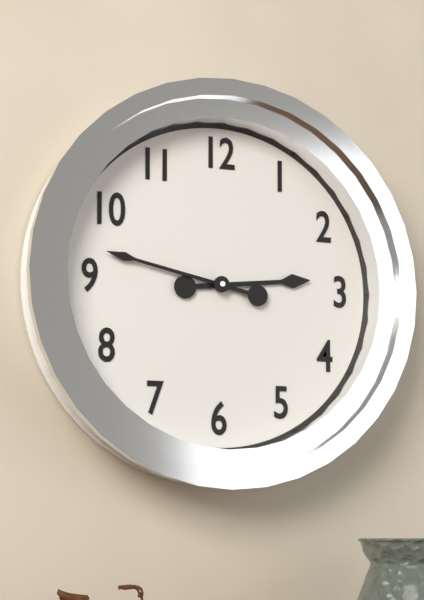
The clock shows h=2 m=47
